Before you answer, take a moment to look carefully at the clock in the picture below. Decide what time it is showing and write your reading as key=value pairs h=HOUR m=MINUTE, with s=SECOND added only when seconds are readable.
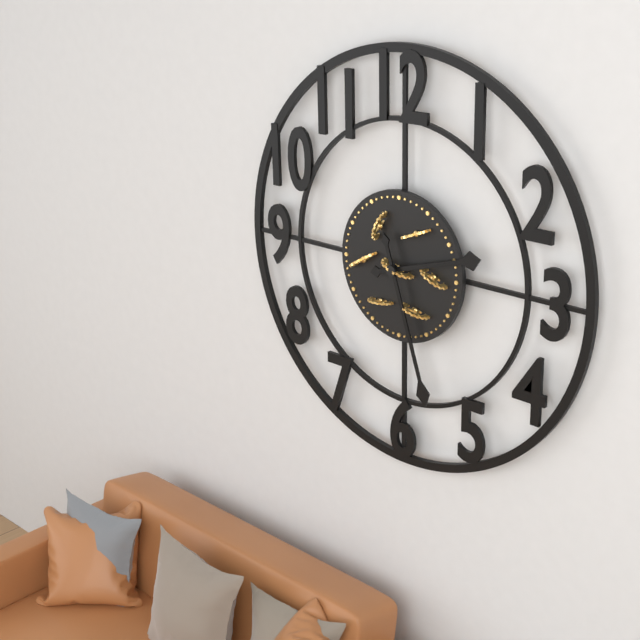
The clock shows h=2 m=27
